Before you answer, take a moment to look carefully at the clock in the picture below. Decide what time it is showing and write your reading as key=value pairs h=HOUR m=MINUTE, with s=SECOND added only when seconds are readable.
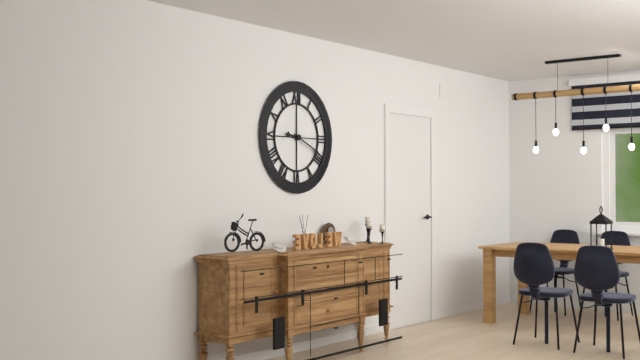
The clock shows h=9 m=19
